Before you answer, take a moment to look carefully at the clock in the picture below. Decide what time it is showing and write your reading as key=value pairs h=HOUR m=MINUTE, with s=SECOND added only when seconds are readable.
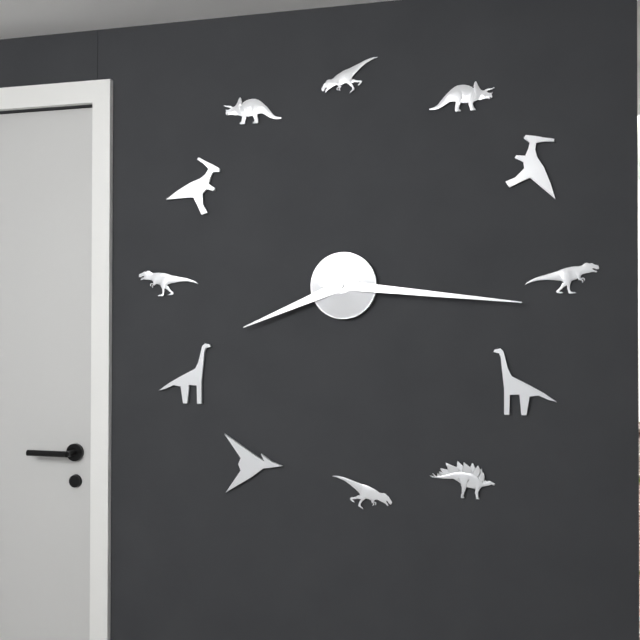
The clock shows h=8 m=16
